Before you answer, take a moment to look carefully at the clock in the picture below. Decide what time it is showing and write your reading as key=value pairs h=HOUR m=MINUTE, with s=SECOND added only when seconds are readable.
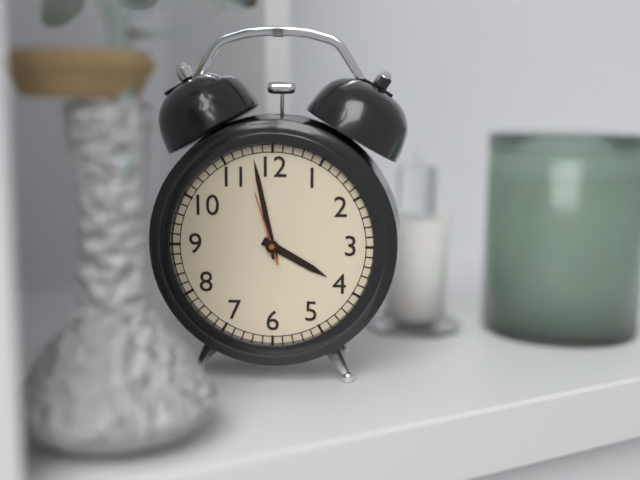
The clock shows h=3 m=58 s=57
